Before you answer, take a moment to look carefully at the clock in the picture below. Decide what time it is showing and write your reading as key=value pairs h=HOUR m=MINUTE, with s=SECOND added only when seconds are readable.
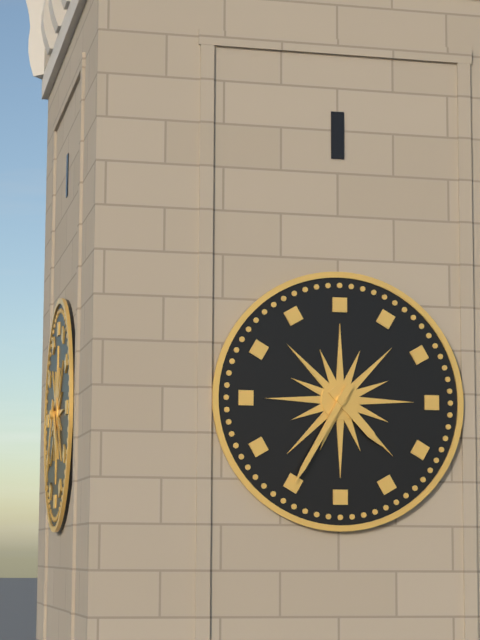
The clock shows h=4 m=35
